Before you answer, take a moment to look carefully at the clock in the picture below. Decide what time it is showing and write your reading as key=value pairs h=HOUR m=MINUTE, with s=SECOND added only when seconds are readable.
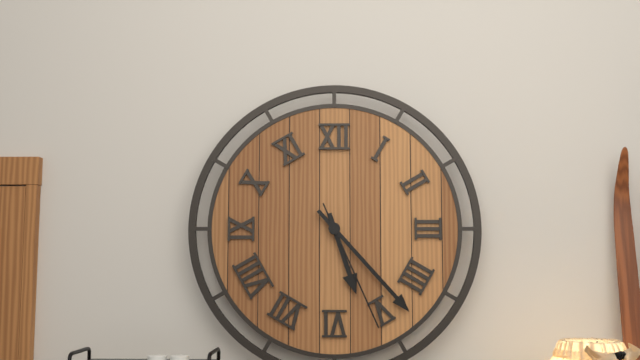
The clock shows h=5 m=23 s=26
